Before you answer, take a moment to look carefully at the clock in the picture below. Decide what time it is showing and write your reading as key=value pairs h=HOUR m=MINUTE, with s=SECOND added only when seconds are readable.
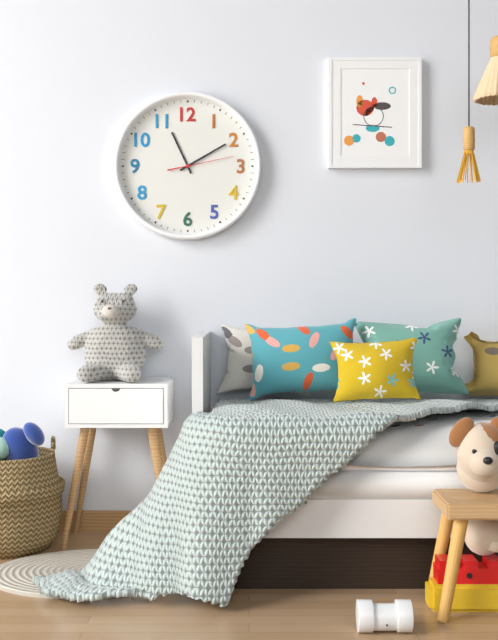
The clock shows h=11 m=10 s=13
